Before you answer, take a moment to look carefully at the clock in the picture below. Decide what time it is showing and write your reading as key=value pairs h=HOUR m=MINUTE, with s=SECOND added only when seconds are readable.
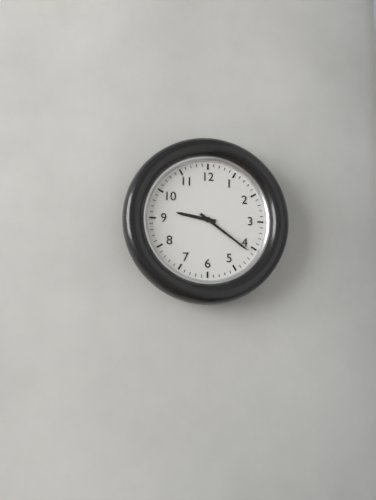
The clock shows h=9 m=21
